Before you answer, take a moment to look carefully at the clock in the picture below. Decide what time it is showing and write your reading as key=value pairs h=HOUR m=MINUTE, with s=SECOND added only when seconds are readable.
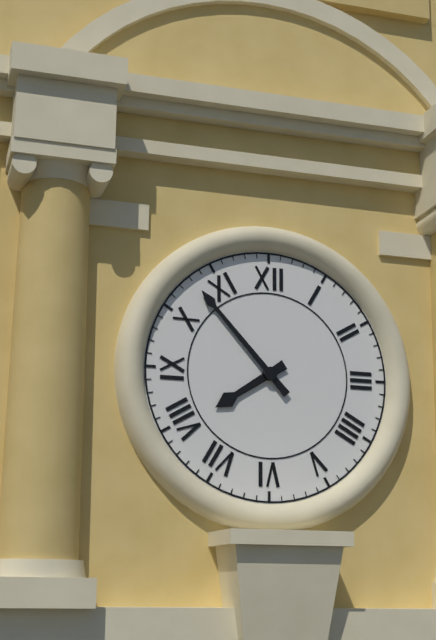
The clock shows h=7 m=53
